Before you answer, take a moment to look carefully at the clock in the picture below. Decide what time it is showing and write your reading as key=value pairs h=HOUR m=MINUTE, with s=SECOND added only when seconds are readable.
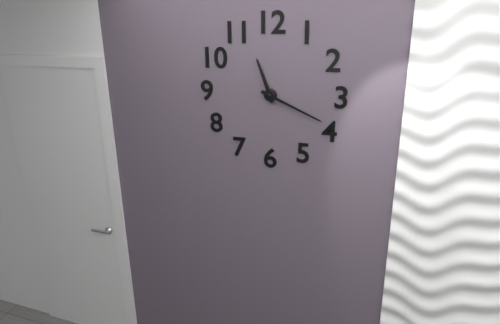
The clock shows h=11 m=19
